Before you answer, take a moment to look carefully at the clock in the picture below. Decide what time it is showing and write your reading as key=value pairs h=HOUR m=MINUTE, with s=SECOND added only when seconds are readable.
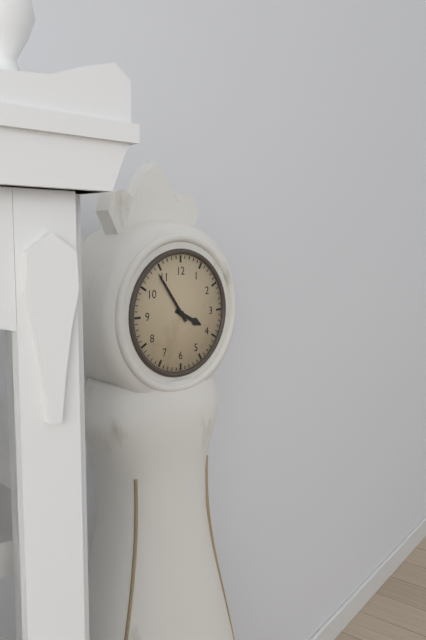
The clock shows h=3 m=54
